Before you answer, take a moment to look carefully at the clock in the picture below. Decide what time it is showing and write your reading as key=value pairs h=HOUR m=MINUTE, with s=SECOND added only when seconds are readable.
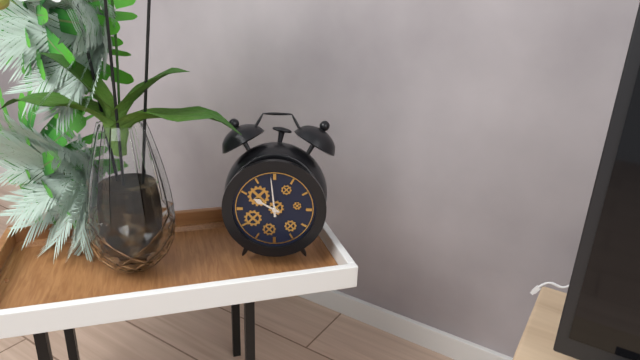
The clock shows h=9 m=59
